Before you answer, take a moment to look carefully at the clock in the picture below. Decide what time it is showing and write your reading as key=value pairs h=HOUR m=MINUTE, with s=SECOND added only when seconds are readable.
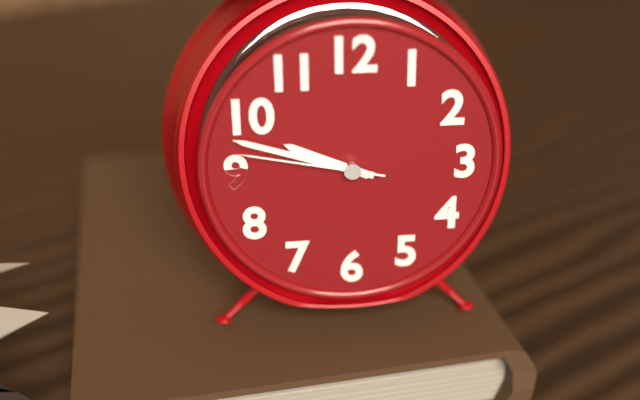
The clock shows h=9 m=48 s=47
